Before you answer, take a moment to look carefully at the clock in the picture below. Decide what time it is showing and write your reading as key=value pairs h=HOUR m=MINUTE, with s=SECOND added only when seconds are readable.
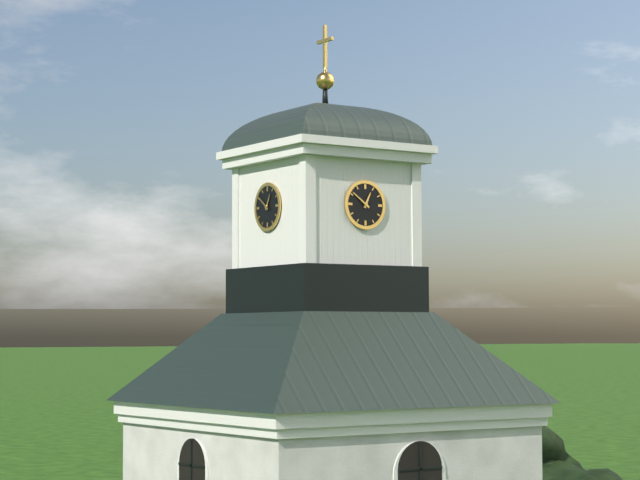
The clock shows h=12 m=51
